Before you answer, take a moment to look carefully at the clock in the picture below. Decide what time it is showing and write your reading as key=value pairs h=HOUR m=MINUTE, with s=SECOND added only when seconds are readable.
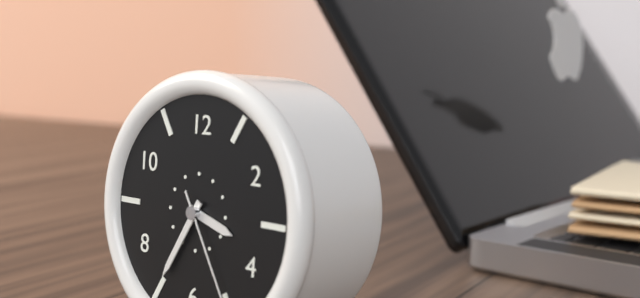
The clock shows h=3 m=35
